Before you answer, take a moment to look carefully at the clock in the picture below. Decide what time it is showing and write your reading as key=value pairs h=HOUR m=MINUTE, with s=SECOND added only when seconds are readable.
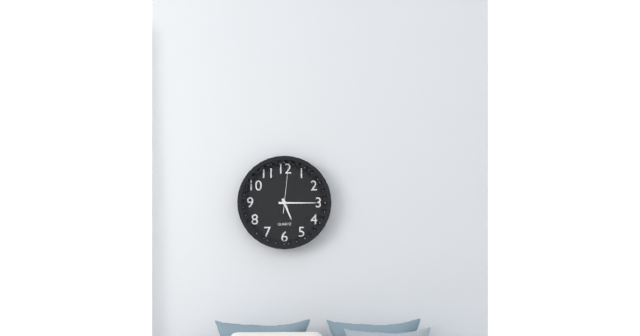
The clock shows h=5 m=15
